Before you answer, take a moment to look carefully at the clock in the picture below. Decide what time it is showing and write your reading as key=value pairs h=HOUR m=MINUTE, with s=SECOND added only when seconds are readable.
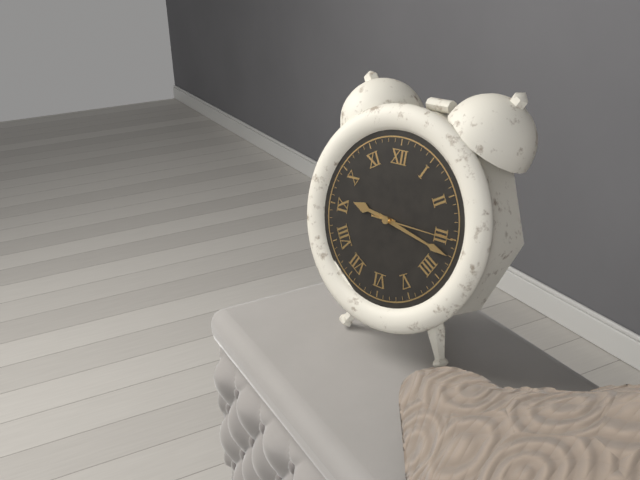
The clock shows h=9 m=17 s=15
